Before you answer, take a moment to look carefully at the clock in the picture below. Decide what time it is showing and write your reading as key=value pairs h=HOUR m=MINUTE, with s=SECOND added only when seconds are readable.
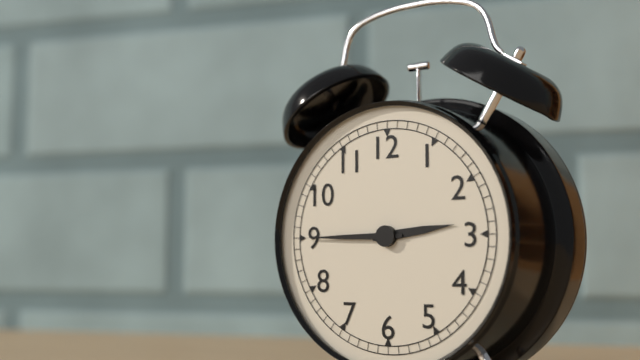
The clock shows h=2 m=45
